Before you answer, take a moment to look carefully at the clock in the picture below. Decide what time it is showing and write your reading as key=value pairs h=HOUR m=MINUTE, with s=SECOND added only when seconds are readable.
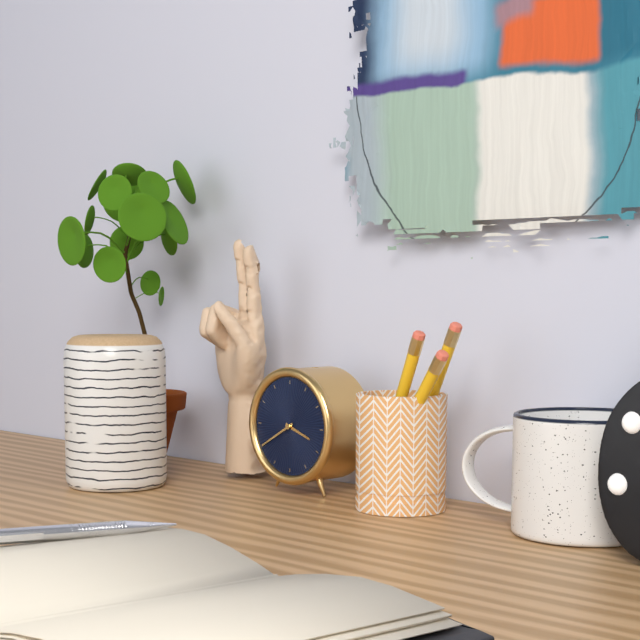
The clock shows h=3 m=40
